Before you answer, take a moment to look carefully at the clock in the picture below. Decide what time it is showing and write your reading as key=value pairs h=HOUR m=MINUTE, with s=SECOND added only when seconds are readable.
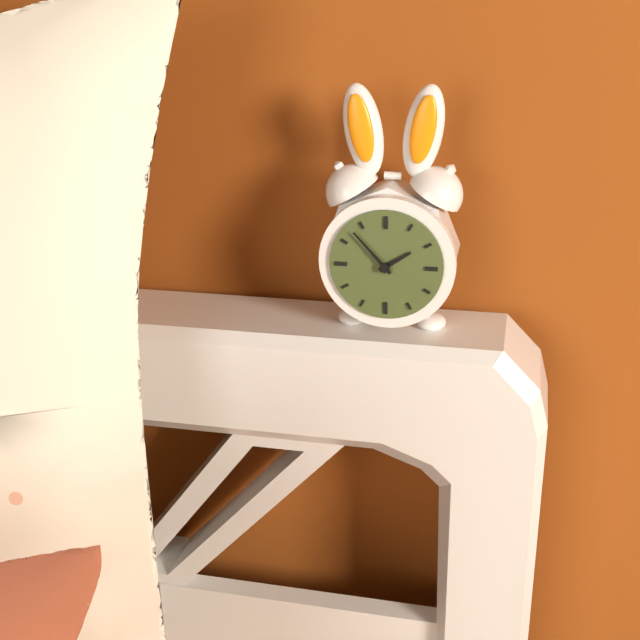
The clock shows h=1 m=53
